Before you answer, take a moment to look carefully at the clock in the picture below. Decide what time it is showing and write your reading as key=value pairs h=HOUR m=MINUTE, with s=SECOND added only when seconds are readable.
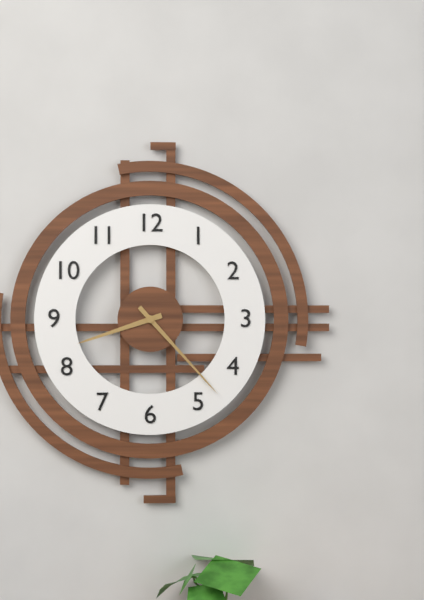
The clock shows h=8 m=23
